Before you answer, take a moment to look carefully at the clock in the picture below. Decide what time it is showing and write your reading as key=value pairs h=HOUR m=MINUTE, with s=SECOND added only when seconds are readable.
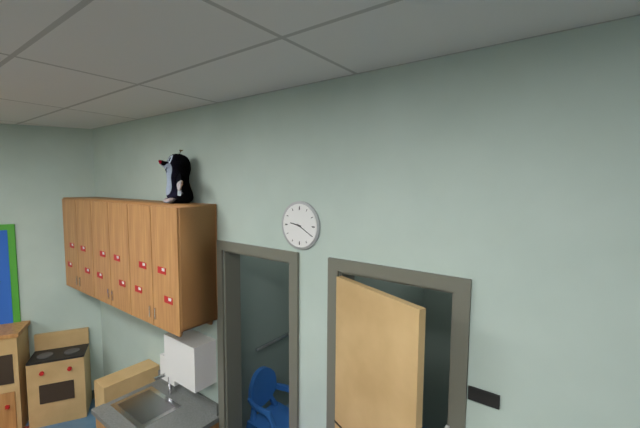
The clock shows h=9 m=20
